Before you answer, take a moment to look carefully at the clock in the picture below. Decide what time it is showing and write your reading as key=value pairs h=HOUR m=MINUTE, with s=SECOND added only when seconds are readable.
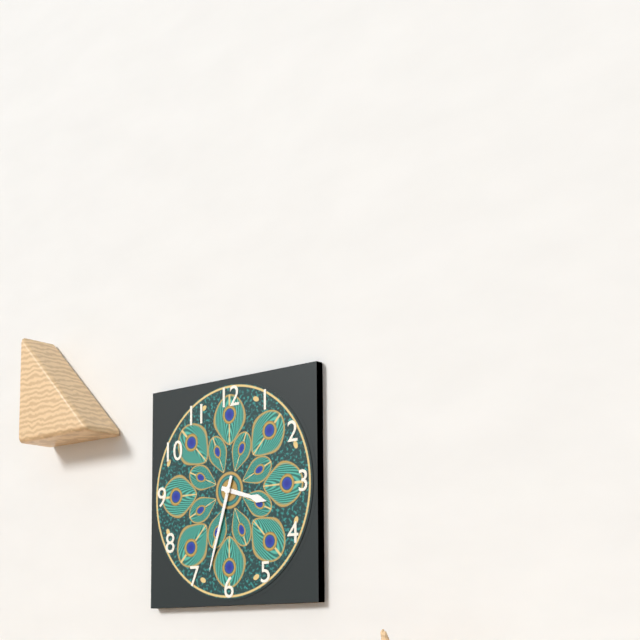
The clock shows h=3 m=33
